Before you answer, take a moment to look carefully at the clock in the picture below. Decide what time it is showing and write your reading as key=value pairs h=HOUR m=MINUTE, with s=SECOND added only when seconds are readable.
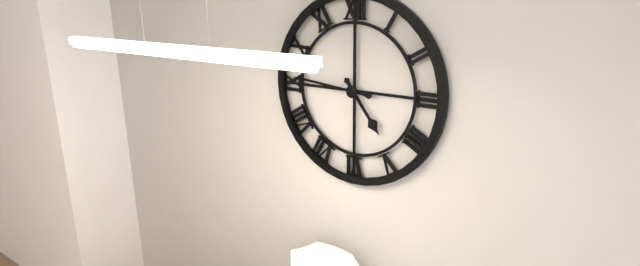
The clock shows h=4 m=46
